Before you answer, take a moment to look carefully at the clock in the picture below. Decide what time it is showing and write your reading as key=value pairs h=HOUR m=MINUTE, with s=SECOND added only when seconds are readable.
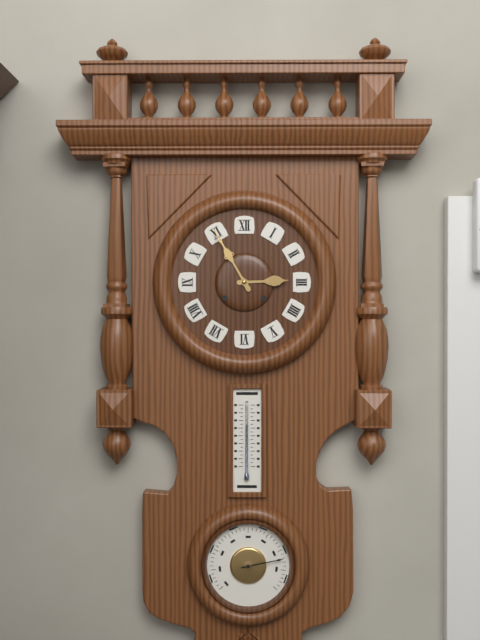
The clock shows h=2 m=55
